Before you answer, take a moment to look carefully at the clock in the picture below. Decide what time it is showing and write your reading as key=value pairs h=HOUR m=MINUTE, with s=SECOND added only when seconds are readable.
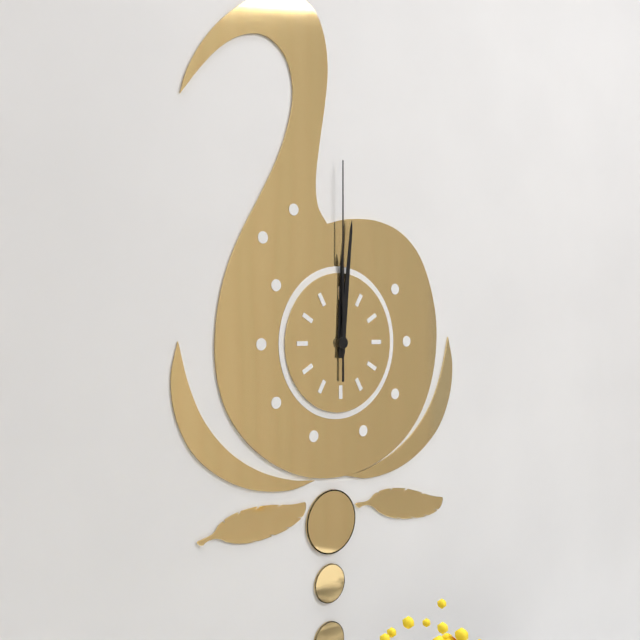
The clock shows h=12 m=1 s=0
